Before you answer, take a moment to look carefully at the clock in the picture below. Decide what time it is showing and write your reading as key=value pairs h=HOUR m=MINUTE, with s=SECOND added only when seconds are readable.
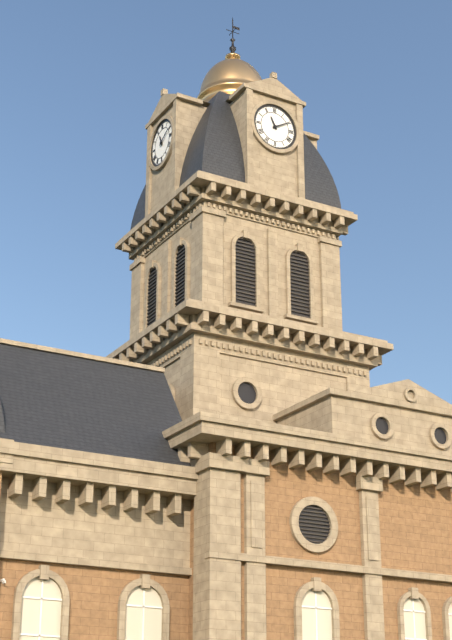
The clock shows h=11 m=10
